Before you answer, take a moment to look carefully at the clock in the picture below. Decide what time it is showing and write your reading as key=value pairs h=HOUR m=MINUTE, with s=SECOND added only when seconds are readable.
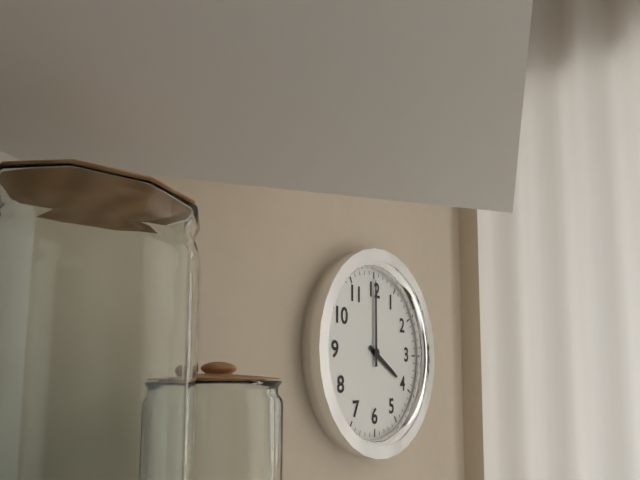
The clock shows h=4 m=0
